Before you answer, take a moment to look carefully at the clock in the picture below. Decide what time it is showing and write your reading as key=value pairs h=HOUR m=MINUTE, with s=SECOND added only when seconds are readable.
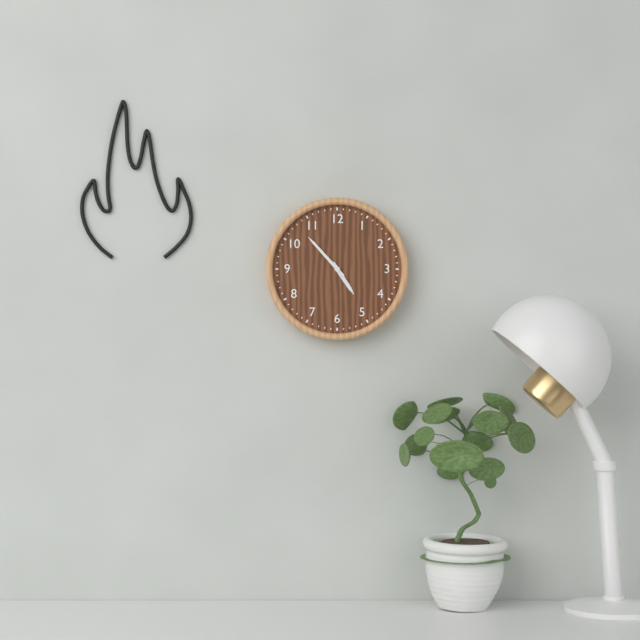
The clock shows h=4 m=53
